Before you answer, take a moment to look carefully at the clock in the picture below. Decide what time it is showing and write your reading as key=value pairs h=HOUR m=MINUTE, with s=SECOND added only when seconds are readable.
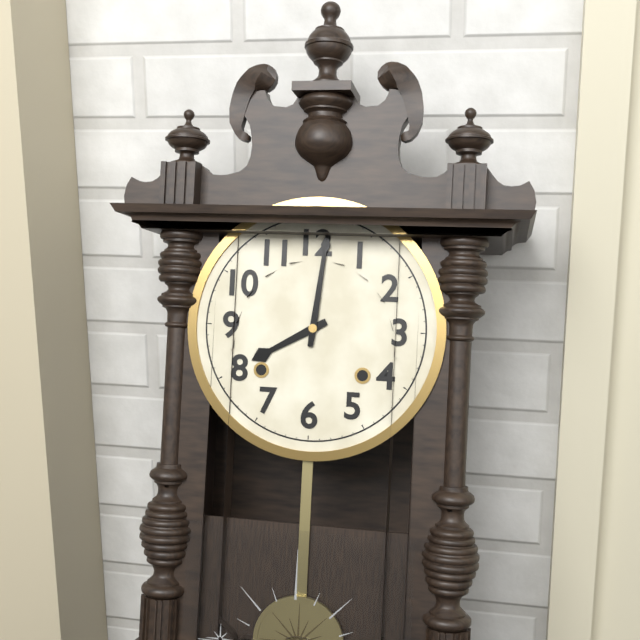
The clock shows h=8 m=1
